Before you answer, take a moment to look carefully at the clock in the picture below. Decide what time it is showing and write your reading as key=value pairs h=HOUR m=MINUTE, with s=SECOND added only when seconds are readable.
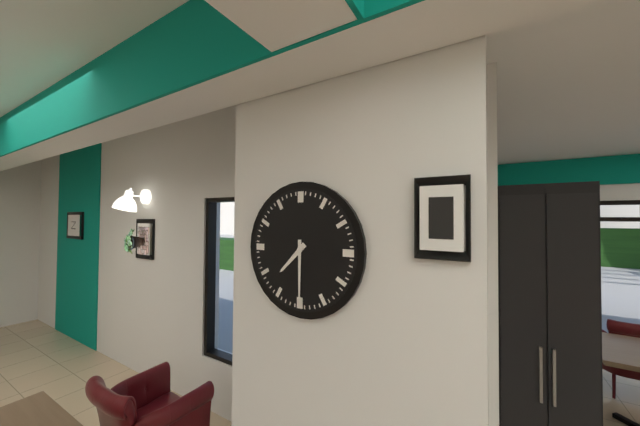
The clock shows h=7 m=30
